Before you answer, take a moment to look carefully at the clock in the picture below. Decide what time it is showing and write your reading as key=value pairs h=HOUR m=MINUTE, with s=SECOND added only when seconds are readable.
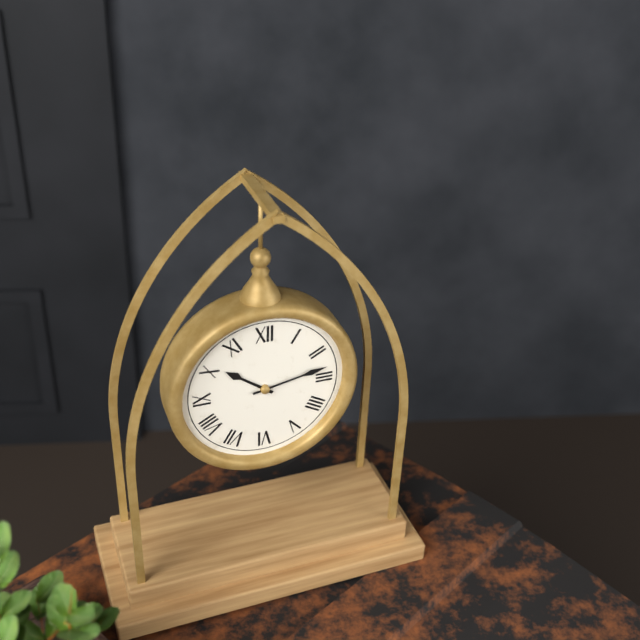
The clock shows h=10 m=13
